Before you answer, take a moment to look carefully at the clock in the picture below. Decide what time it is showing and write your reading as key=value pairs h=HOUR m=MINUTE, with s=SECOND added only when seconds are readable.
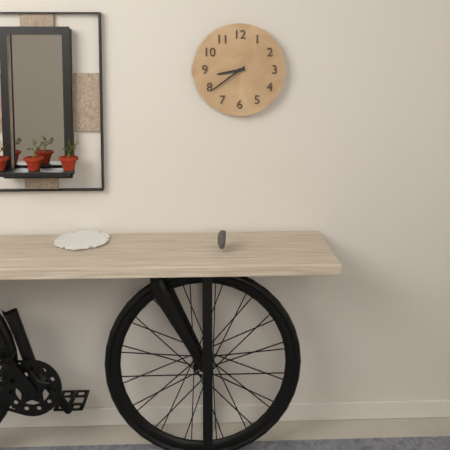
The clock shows h=8 m=39
